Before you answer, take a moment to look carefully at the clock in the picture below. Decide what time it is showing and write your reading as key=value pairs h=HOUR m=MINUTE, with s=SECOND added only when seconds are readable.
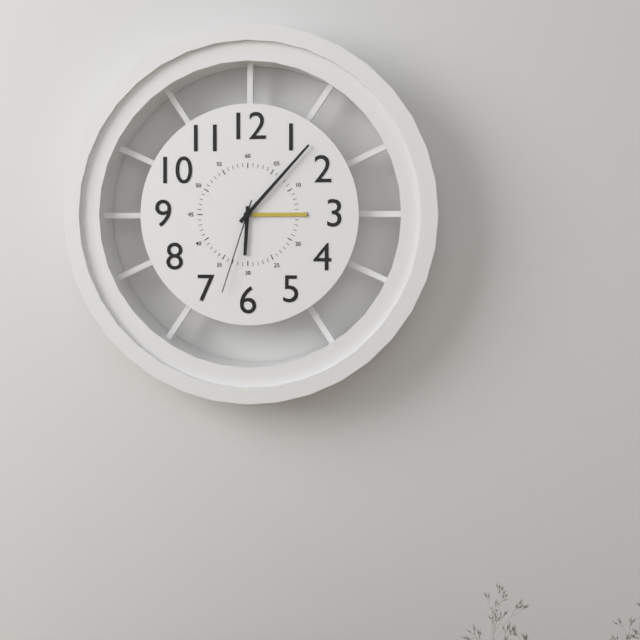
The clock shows h=6 m=7 s=33
